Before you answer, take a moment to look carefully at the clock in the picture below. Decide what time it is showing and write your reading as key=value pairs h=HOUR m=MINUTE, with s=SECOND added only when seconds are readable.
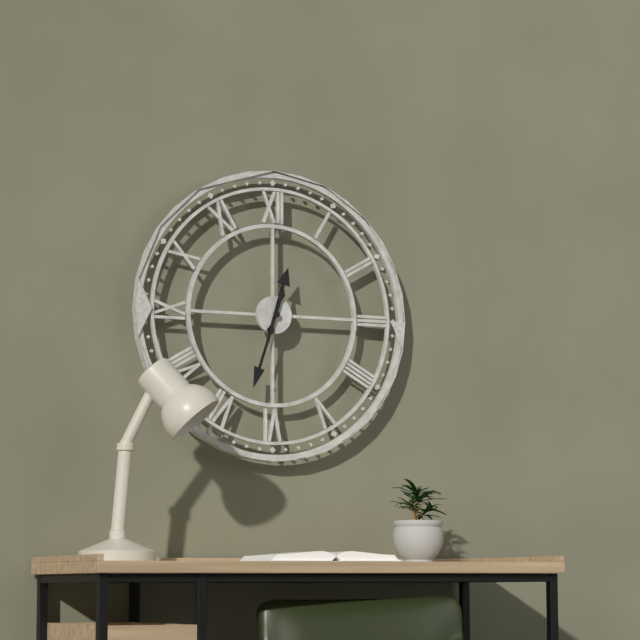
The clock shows h=12 m=33
